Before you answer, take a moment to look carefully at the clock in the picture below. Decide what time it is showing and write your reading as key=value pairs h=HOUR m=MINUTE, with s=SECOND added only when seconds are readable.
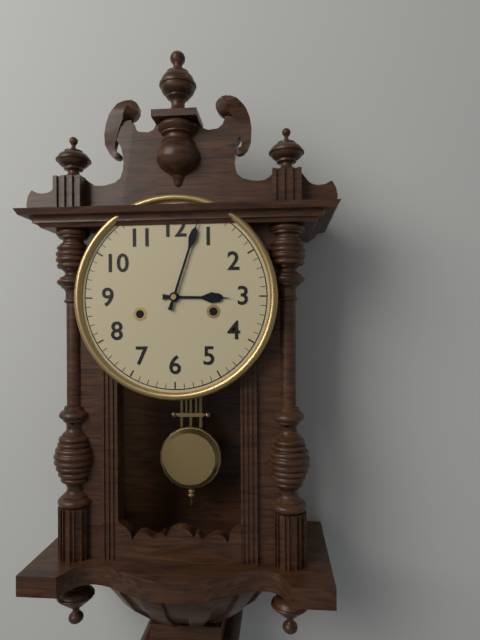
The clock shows h=3 m=3
